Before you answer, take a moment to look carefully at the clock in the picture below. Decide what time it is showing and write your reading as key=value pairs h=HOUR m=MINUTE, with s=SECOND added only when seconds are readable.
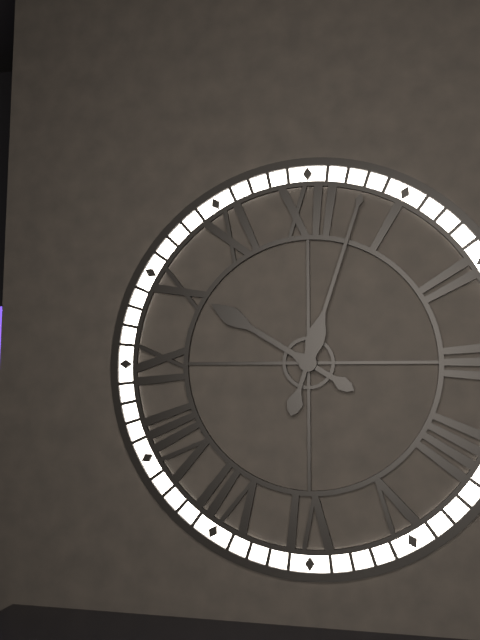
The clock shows h=10 m=3
